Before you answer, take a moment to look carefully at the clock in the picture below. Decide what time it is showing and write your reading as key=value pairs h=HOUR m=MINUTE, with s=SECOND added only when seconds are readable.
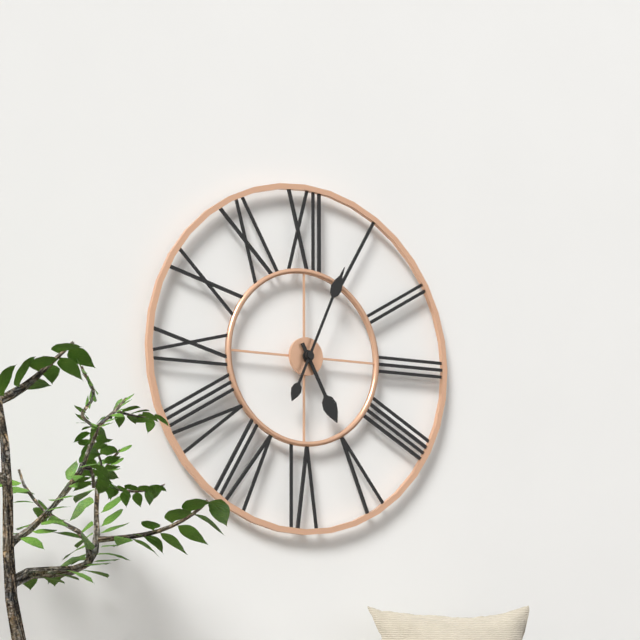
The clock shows h=5 m=4
